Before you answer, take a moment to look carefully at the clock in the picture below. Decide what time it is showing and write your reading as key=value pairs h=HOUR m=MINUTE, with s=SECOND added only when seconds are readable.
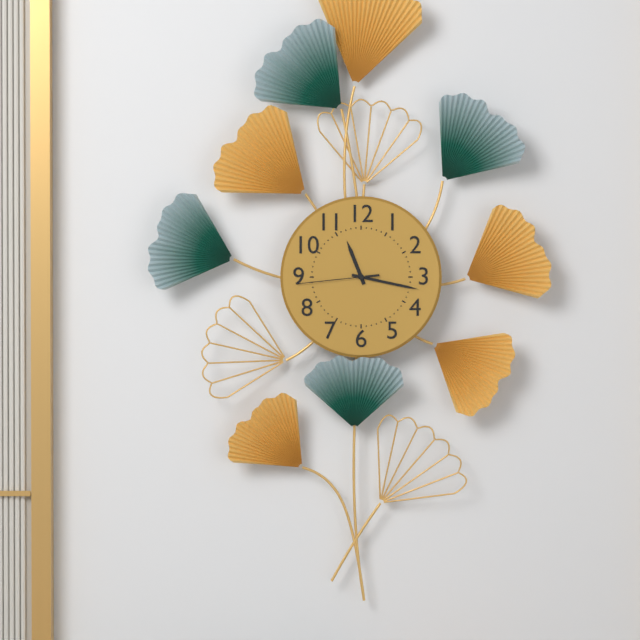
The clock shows h=11 m=17 s=44
